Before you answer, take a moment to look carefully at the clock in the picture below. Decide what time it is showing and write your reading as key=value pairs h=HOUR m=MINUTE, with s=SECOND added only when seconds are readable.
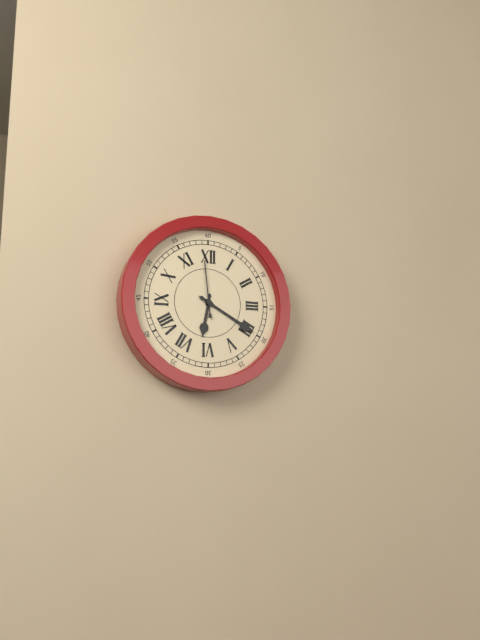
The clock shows h=6 m=20 s=59
